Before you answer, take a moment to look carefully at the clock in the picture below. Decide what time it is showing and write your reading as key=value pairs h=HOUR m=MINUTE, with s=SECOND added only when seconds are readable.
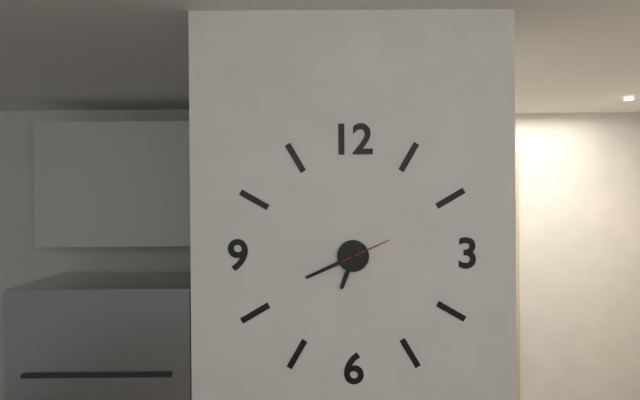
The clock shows h=6 m=41 s=11
